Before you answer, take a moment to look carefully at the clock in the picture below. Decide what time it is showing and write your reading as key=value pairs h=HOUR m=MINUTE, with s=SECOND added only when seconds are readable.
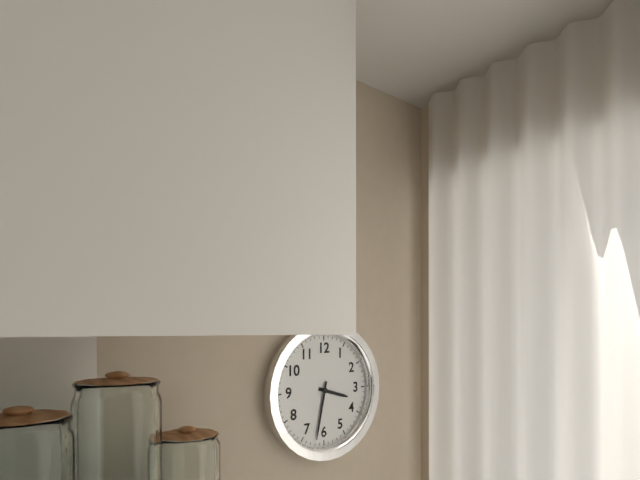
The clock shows h=3 m=32
